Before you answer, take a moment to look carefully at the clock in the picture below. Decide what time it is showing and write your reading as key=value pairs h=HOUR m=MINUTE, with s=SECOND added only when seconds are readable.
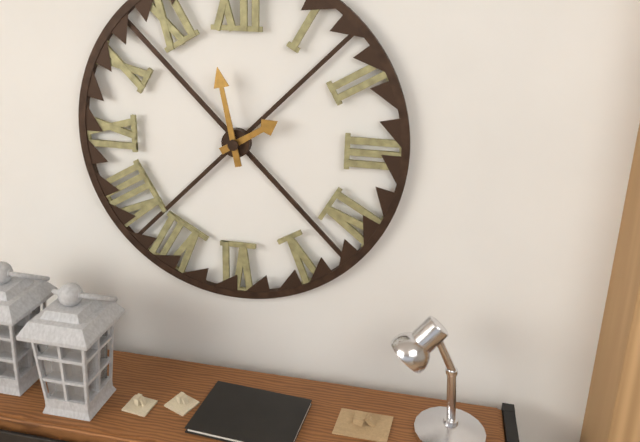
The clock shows h=1 m=58
